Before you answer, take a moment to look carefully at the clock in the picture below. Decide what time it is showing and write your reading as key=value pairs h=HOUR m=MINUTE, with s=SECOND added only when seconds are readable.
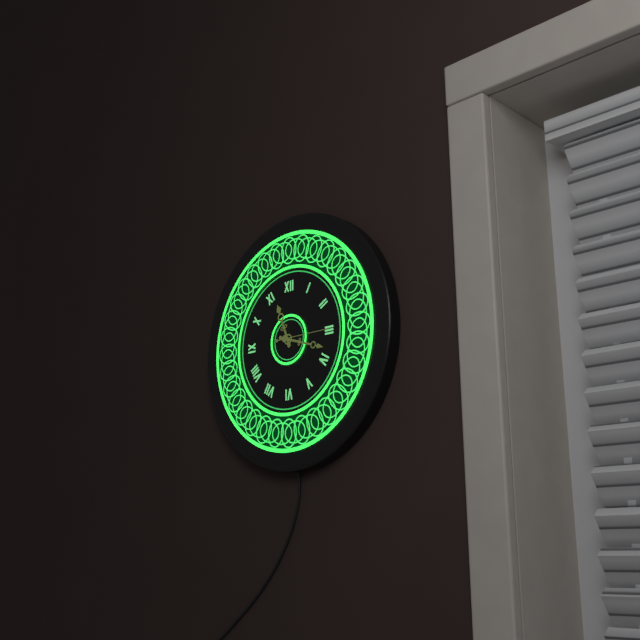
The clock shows h=11 m=18 s=15
